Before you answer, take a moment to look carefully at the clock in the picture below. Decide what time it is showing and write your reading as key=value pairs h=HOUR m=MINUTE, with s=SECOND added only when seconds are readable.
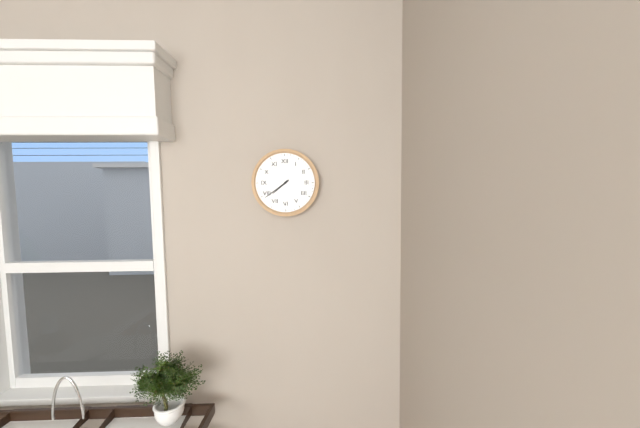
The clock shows h=7 m=39
